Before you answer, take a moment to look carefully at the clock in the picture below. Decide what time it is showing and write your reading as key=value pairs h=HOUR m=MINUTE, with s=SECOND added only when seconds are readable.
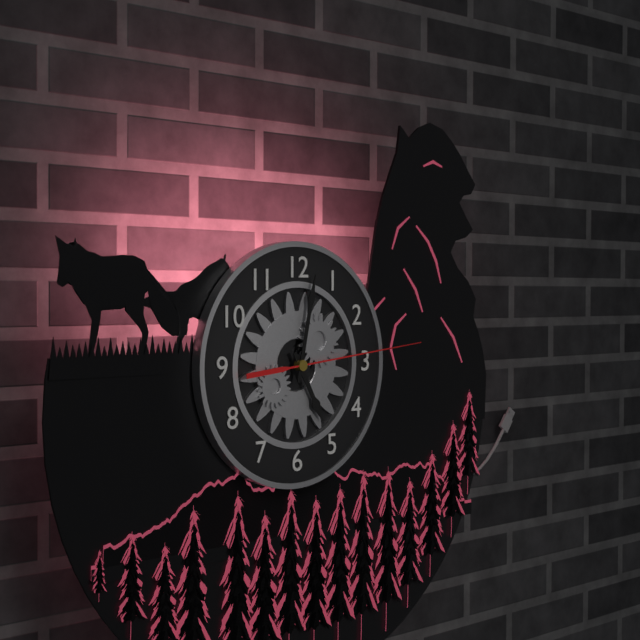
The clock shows h=5 m=2 s=14
